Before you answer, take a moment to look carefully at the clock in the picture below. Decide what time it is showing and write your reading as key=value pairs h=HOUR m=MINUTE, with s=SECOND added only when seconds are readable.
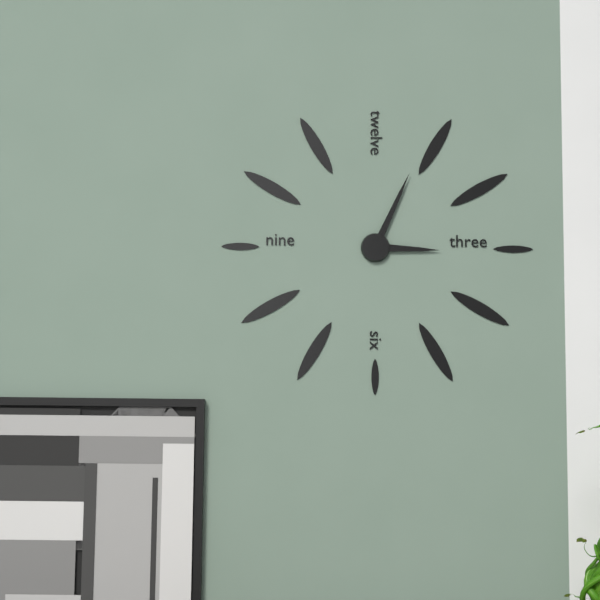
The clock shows h=3 m=4
